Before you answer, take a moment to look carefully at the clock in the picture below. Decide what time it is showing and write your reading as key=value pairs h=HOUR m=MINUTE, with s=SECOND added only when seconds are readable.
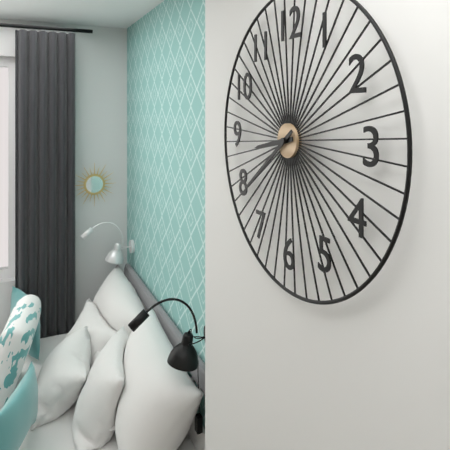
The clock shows h=8 m=39
